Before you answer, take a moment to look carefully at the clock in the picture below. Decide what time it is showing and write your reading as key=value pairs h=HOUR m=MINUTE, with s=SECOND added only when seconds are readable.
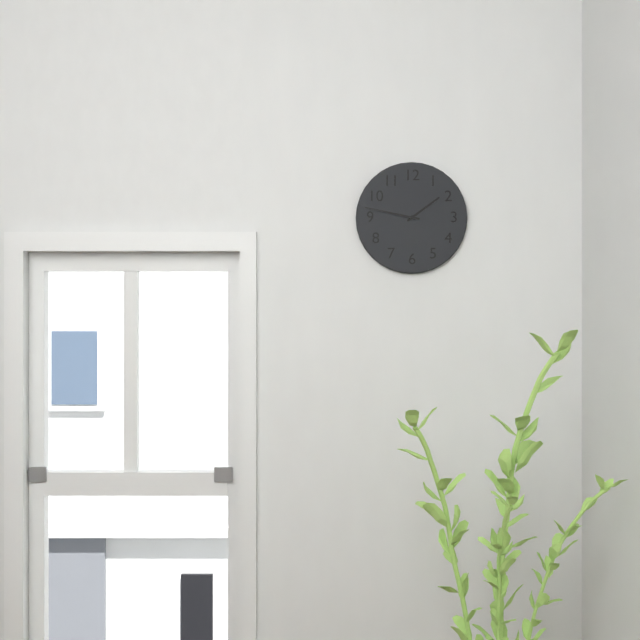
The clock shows h=1 m=47
